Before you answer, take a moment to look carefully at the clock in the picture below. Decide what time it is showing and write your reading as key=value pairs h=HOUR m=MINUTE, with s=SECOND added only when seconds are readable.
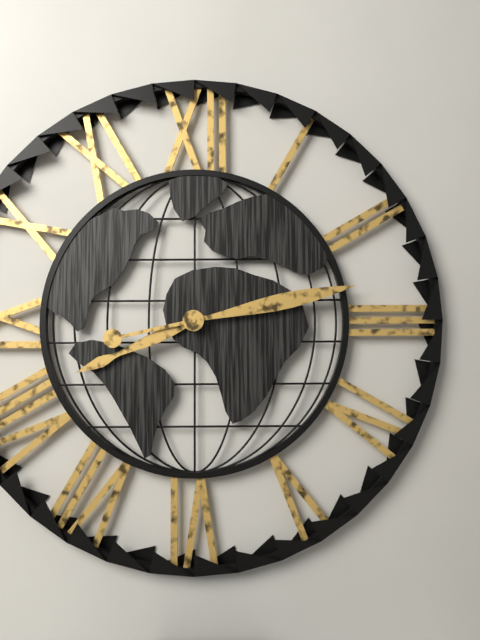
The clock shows h=8 m=13
